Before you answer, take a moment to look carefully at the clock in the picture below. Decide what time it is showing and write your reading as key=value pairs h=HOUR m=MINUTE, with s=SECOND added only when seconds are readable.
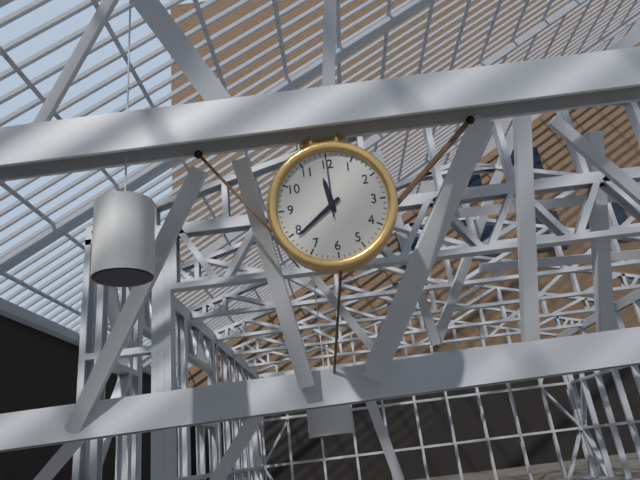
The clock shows h=11 m=39 s=0
